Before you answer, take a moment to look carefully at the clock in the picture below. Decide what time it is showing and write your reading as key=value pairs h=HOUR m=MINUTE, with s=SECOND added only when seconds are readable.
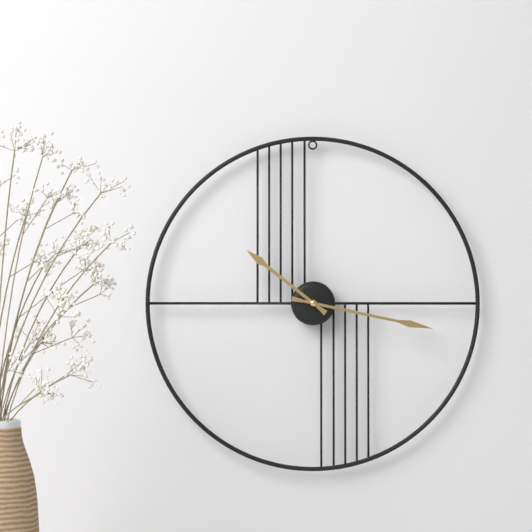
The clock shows h=10 m=17
